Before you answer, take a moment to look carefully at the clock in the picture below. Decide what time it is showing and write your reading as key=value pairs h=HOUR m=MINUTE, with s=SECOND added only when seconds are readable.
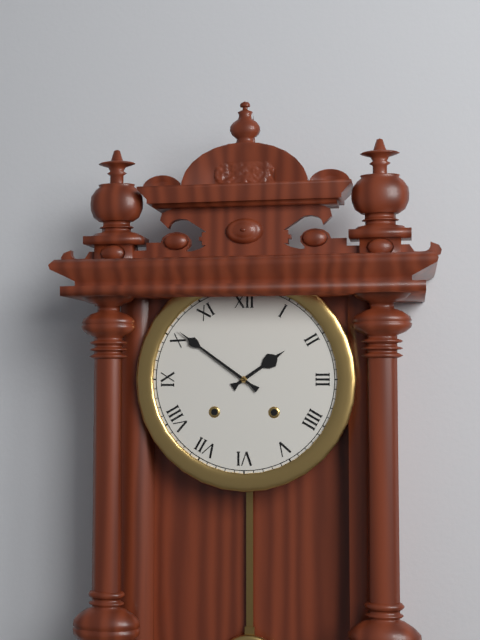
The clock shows h=1 m=51
